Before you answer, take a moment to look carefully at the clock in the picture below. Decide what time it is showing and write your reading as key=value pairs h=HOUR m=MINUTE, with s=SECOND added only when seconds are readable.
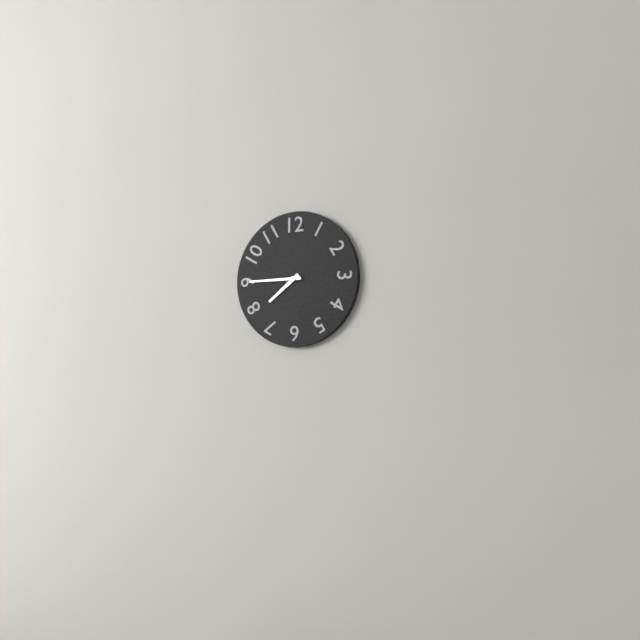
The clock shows h=7 m=45
